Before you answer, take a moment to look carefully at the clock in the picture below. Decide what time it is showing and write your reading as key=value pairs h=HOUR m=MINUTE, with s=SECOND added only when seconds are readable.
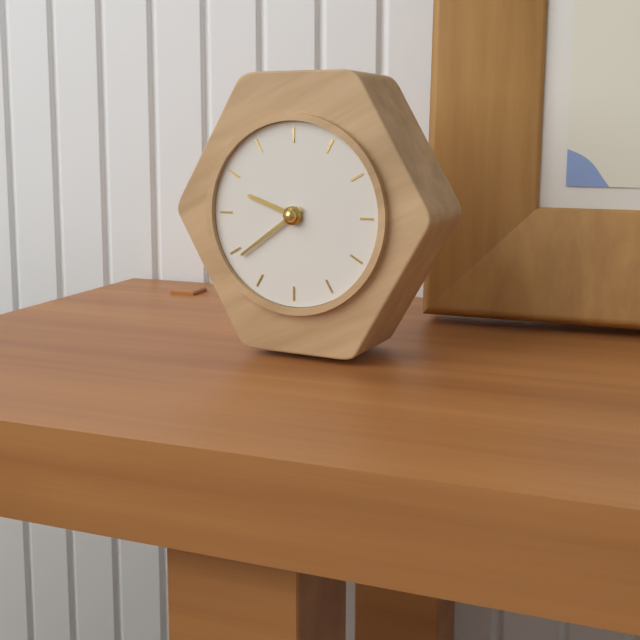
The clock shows h=9 m=39
